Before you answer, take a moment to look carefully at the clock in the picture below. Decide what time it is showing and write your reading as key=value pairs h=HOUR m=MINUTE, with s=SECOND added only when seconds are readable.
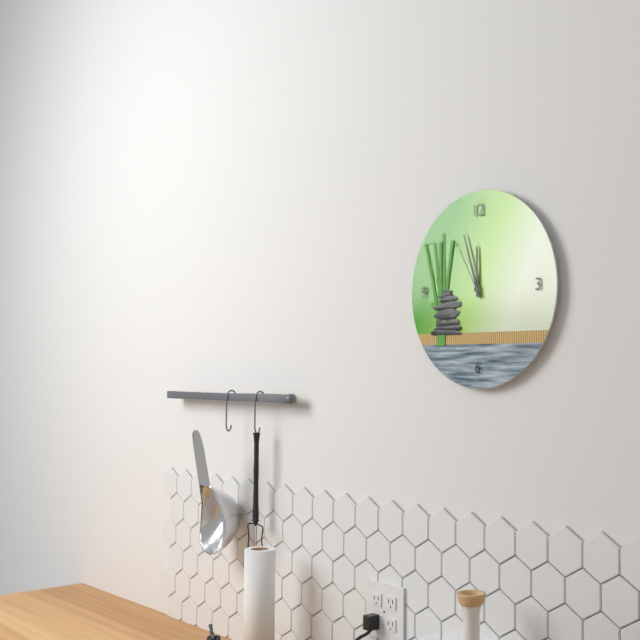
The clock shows h=11 m=57 s=55
